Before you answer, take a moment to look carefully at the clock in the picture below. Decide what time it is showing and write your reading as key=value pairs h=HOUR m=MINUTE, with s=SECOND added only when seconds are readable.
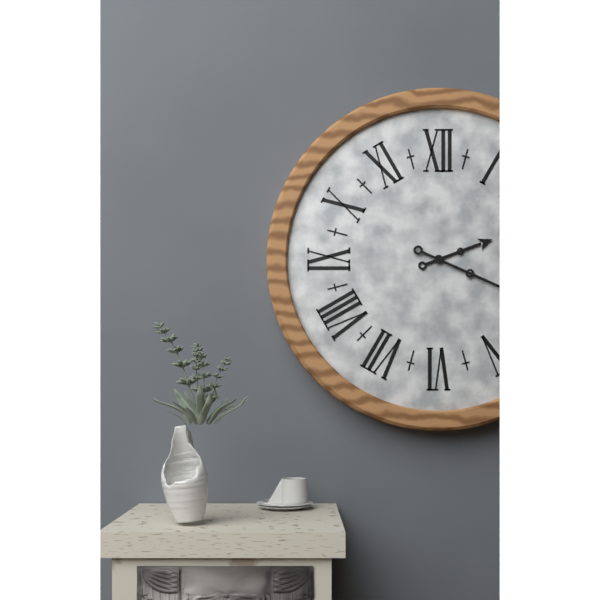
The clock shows h=2 m=19
